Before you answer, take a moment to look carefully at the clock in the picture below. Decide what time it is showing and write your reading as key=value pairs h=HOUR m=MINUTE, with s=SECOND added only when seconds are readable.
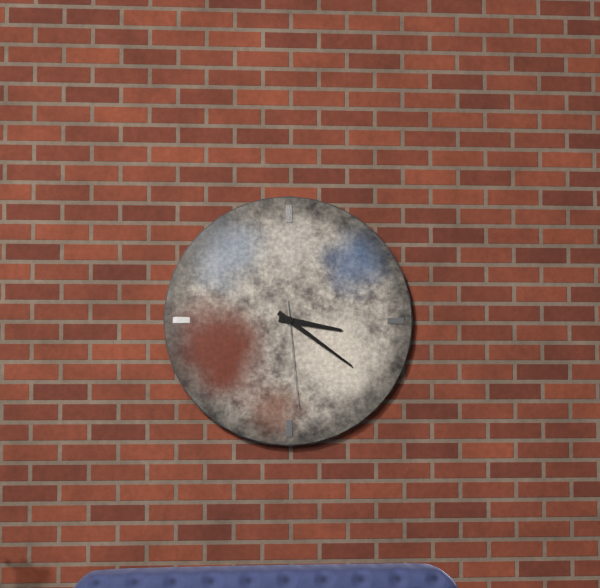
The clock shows h=3 m=21 s=29
